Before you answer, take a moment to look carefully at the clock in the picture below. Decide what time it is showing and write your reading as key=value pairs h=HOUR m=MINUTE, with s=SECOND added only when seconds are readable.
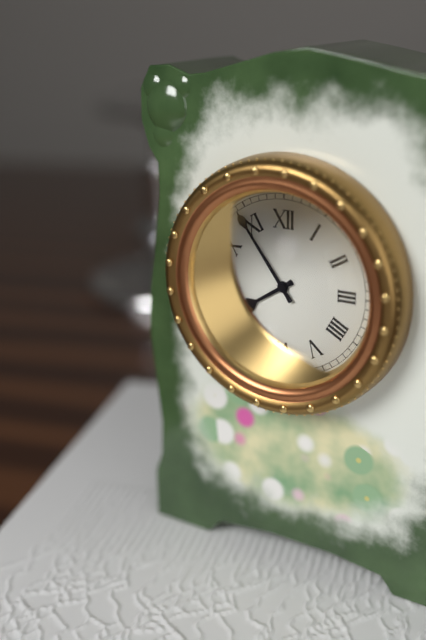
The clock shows h=7 m=54
